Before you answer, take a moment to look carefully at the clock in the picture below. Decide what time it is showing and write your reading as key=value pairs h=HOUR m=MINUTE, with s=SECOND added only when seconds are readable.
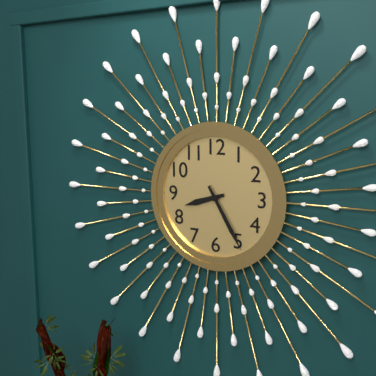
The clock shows h=8 m=25
